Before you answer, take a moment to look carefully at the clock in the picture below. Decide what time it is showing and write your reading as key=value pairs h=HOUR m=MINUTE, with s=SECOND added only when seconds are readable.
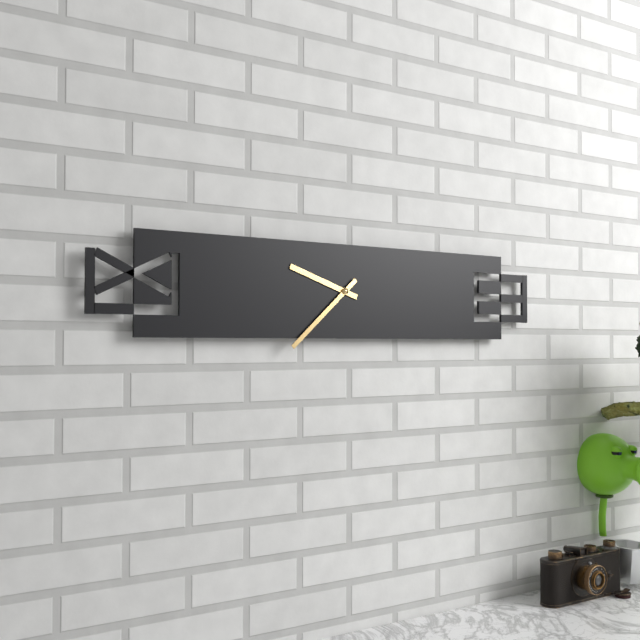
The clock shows h=9 m=38
